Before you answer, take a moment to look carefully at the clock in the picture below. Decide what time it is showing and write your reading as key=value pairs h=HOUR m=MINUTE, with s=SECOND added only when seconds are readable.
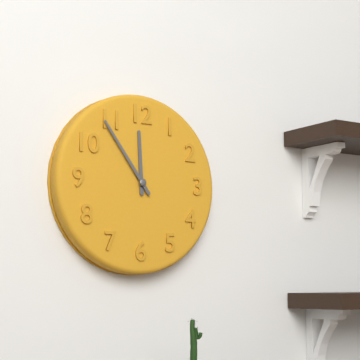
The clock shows h=11 m=54
